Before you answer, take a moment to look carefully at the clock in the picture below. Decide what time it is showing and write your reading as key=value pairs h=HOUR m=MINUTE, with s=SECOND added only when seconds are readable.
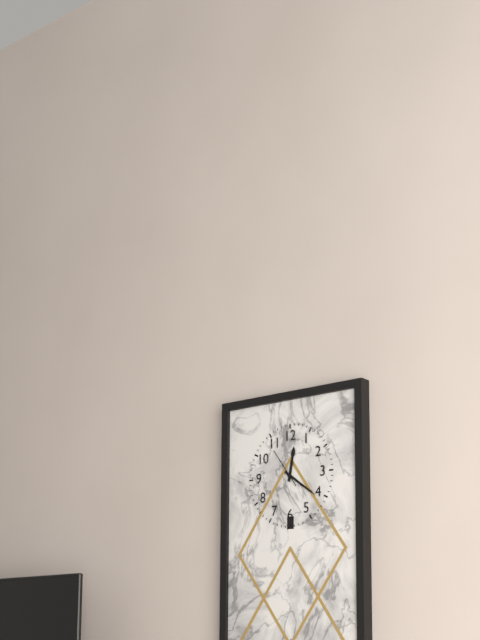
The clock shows h=12 m=21
